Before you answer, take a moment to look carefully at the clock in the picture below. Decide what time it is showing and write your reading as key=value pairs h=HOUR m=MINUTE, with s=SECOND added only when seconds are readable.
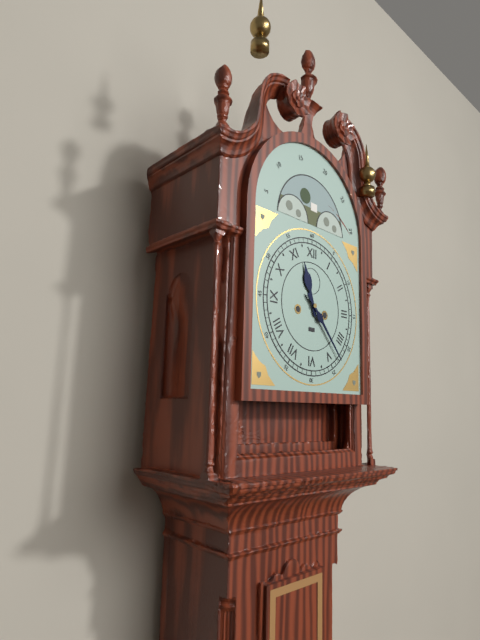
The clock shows h=11 m=23
